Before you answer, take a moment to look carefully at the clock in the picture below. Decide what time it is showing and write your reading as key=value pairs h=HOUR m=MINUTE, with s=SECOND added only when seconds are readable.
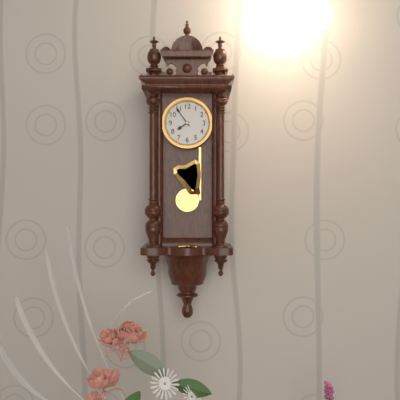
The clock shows h=7 m=54
